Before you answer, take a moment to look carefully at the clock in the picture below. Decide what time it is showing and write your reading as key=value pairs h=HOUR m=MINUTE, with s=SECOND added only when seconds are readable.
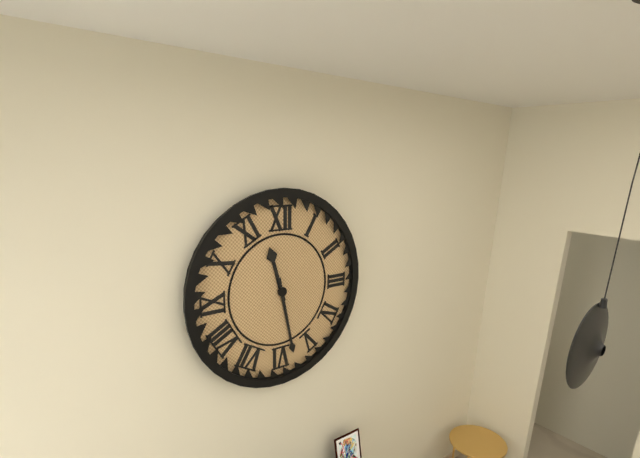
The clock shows h=11 m=28
